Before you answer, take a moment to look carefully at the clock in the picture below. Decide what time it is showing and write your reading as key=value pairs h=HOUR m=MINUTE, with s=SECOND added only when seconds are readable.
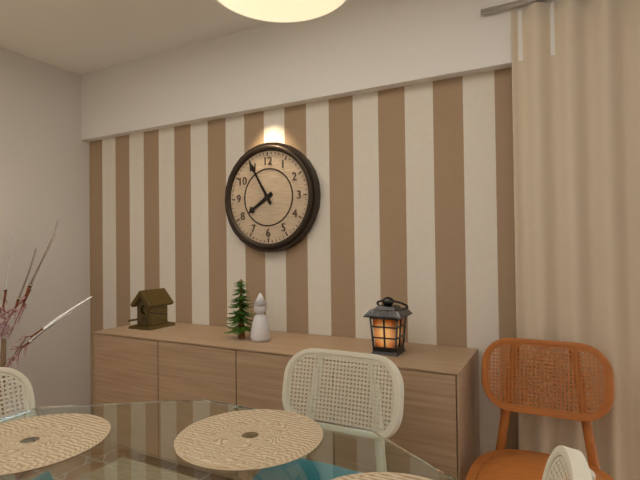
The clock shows h=7 m=55
